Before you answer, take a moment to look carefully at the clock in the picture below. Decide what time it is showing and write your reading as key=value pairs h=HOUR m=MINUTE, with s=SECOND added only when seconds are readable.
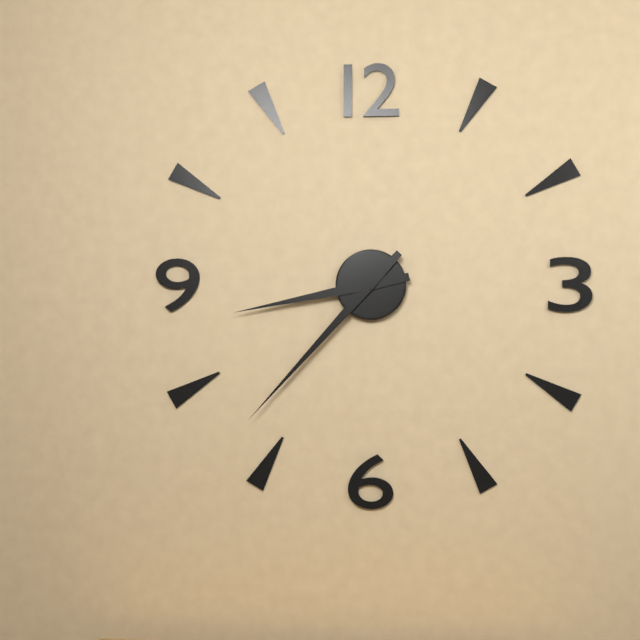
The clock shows h=8 m=37
